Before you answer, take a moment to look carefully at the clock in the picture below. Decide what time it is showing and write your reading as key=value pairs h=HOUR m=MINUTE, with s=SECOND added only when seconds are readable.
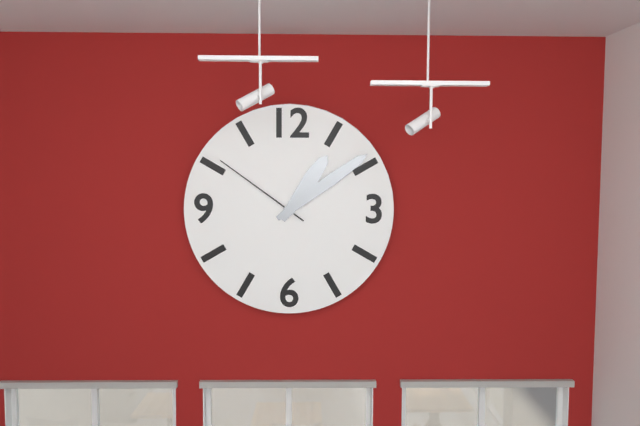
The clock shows h=1 m=9 s=51
